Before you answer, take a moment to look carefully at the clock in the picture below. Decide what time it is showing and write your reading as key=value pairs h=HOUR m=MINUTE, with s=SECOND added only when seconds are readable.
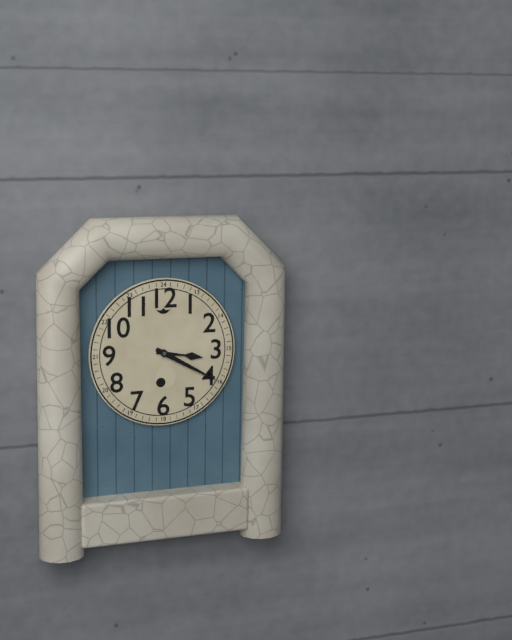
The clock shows h=3 m=20
